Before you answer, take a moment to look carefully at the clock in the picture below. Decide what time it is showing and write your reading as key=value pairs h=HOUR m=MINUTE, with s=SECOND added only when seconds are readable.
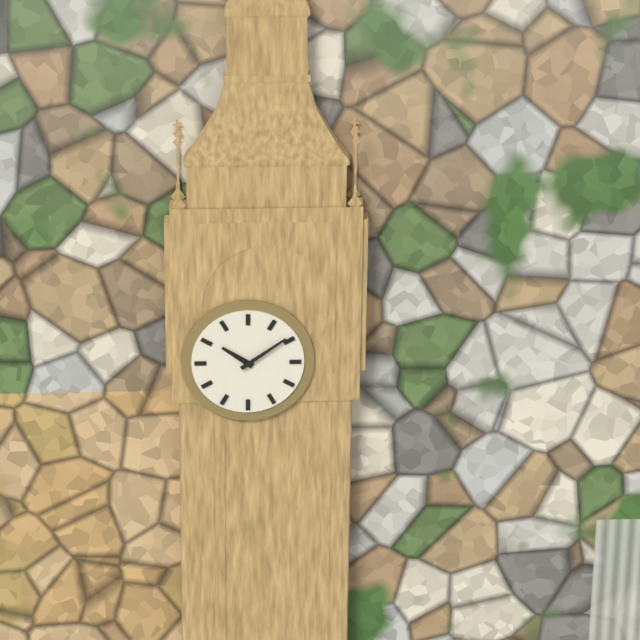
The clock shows h=10 m=9
